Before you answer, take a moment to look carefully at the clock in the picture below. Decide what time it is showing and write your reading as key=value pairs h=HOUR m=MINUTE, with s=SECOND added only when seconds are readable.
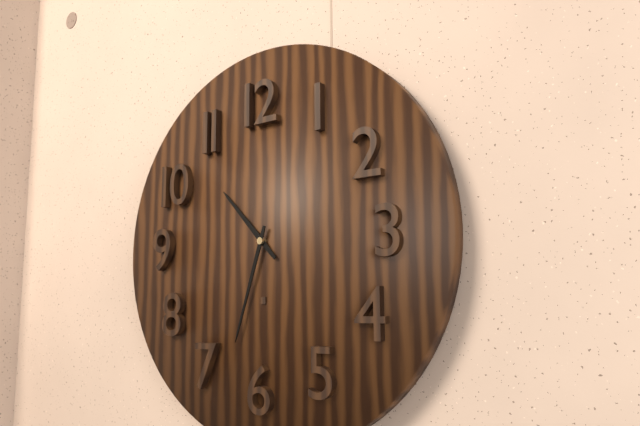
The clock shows h=10 m=33
